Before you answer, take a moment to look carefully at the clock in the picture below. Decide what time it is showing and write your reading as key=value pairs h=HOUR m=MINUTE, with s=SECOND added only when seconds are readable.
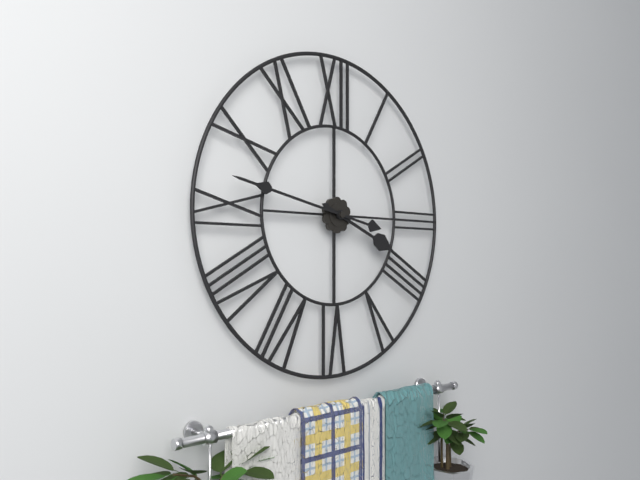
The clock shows h=3 m=47
